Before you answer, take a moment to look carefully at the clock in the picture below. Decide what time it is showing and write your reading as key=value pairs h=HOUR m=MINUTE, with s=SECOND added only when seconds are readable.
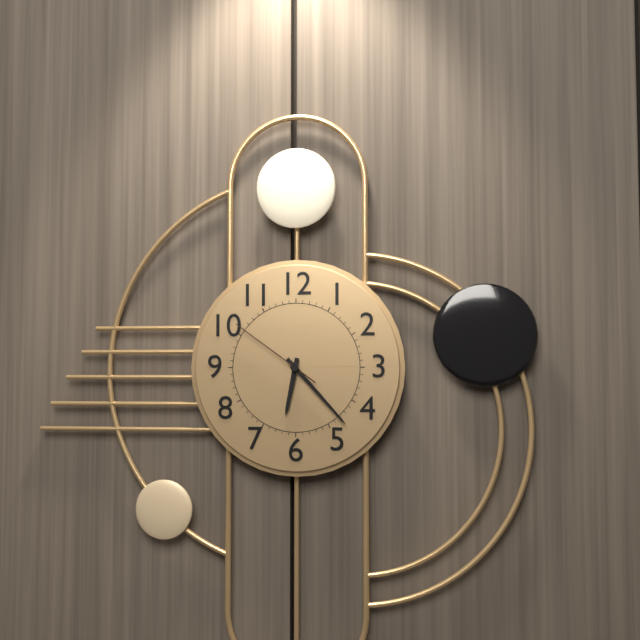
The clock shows h=6 m=23 s=51
